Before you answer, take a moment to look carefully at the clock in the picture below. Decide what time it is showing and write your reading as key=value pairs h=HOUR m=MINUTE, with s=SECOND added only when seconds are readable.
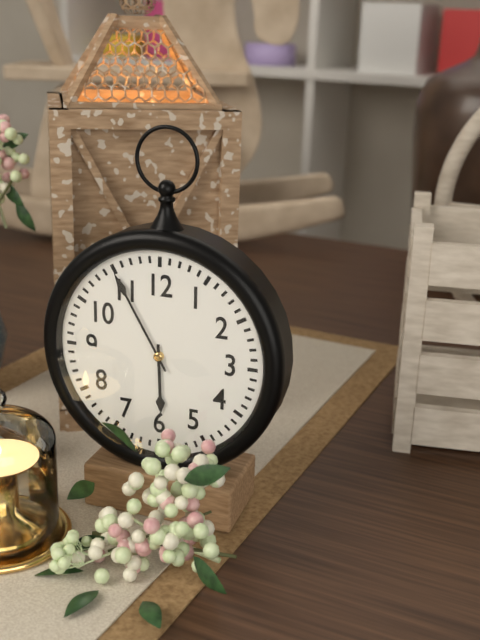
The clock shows h=5 m=55
